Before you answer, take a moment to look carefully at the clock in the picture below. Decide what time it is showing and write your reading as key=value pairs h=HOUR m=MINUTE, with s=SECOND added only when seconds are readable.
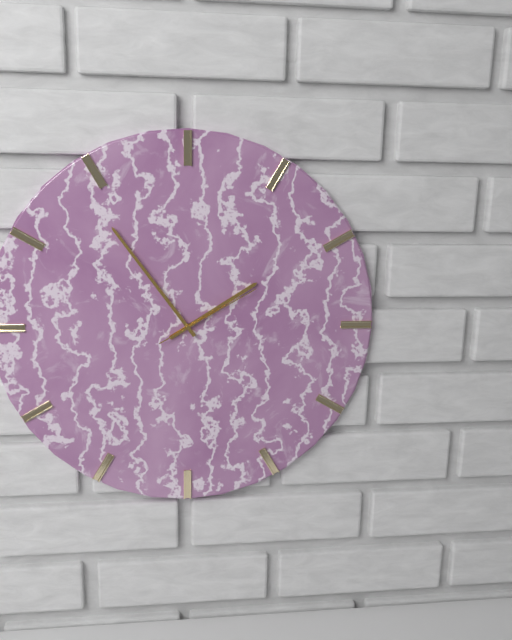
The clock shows h=1 m=54 s=10
